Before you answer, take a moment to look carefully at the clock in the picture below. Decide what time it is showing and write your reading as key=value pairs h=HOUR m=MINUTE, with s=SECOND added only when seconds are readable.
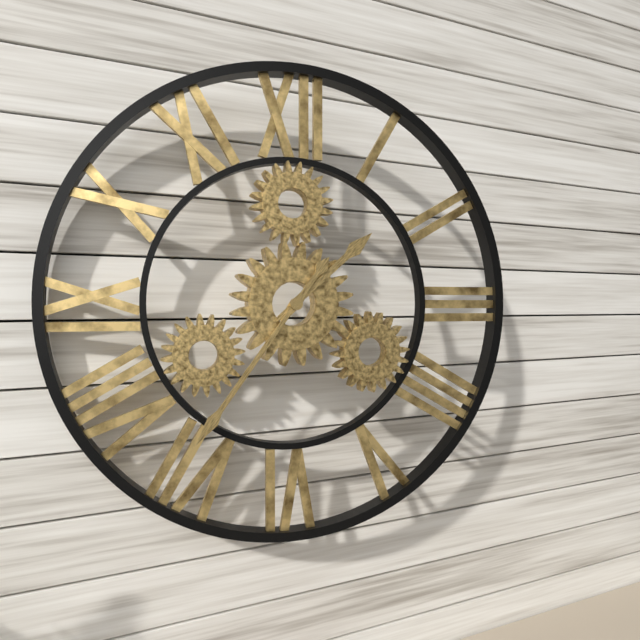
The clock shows h=1 m=36
